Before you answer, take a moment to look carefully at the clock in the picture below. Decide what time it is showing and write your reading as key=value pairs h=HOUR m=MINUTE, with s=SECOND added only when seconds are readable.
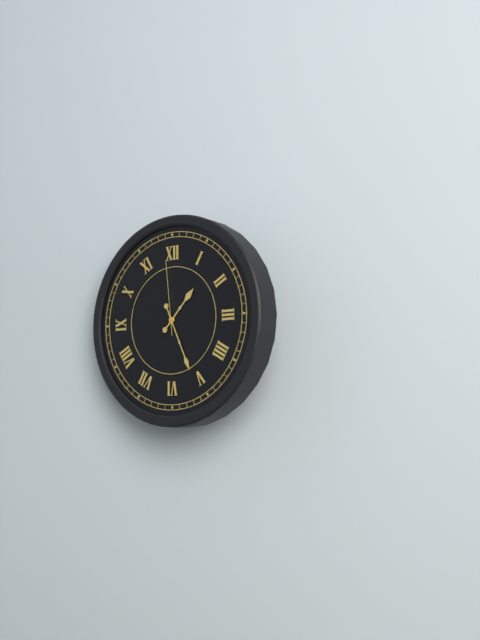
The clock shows h=1 m=26 s=59
